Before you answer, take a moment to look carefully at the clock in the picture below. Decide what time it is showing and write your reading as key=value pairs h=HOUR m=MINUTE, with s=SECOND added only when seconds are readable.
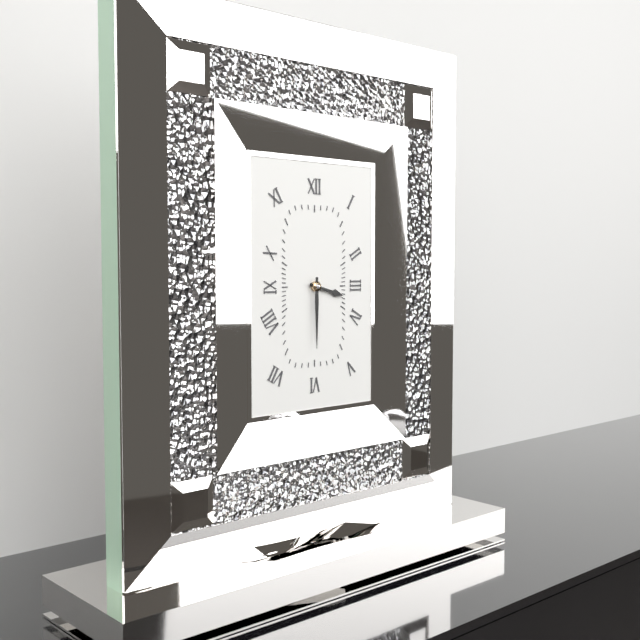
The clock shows h=3 m=30
